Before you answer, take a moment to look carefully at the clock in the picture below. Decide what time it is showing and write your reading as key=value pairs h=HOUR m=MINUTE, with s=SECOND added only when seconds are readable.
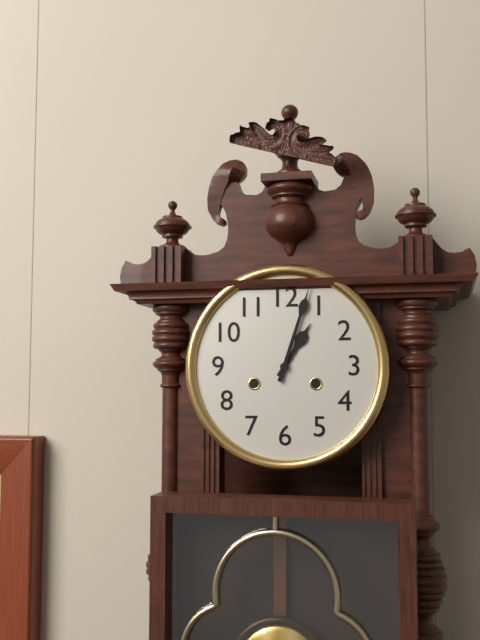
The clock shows h=1 m=3
